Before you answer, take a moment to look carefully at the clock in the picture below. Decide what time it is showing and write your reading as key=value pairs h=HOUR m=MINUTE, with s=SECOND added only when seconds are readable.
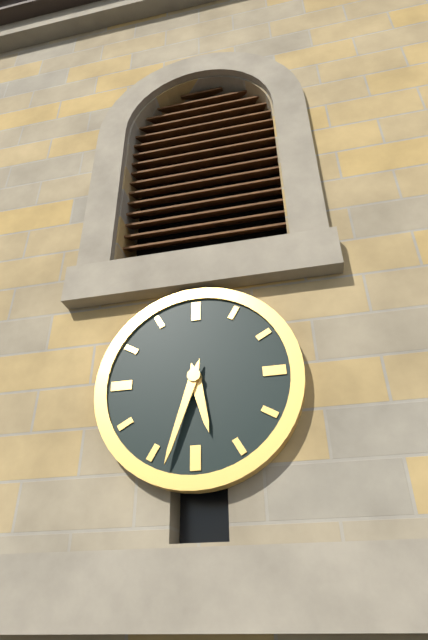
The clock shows h=5 m=33
